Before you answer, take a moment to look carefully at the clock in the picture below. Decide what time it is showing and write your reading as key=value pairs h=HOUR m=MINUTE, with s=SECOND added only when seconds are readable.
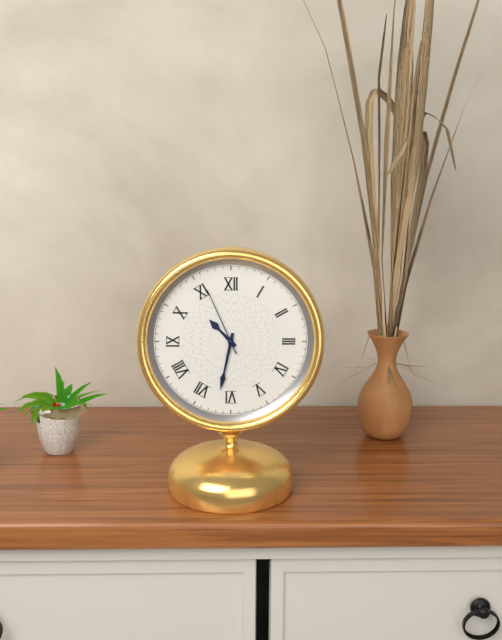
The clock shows h=10 m=32 s=56
